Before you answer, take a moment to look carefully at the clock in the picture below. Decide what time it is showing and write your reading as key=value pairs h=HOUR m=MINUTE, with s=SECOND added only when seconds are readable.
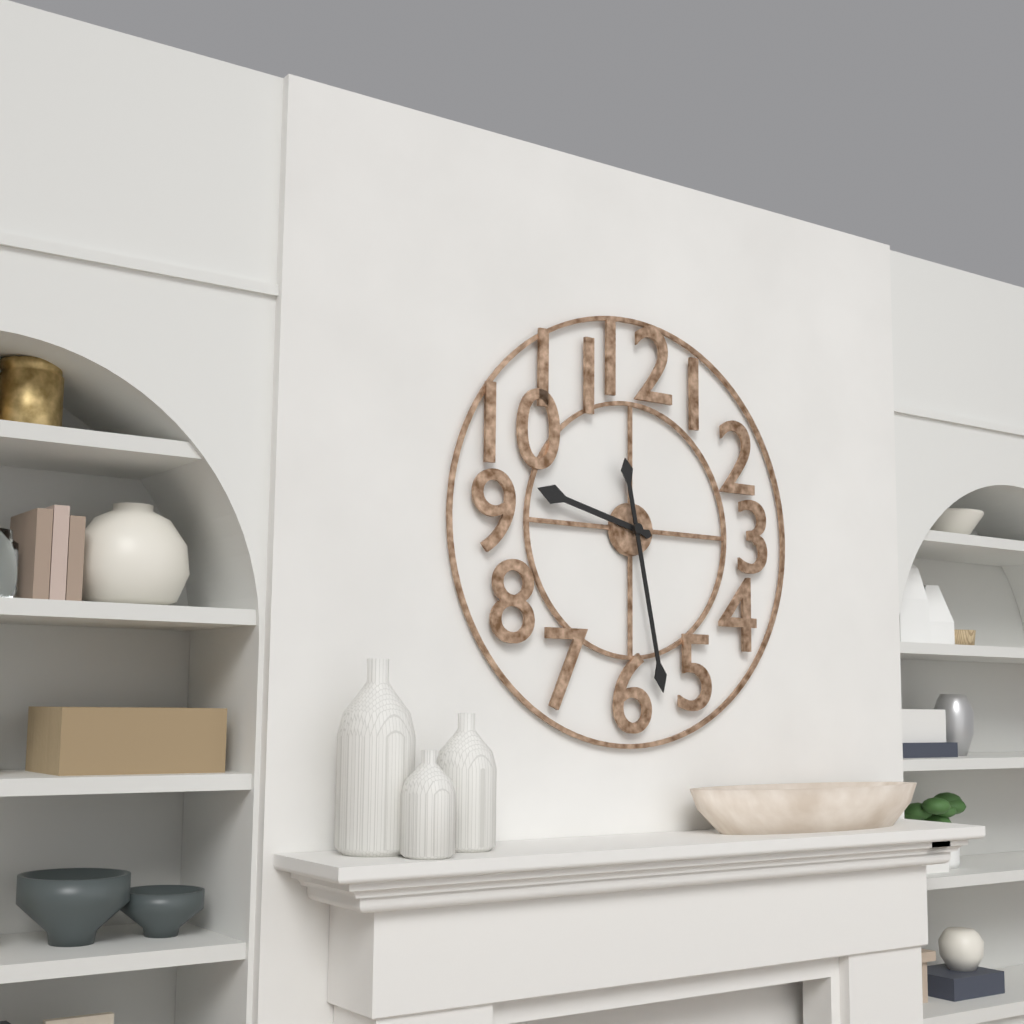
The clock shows h=9 m=28
